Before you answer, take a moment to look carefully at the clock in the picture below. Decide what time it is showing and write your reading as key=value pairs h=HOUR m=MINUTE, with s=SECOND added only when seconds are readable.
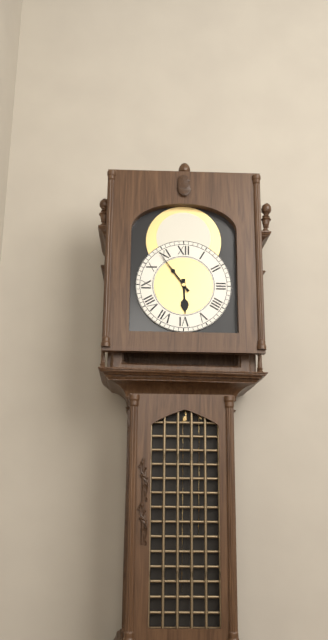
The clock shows h=5 m=54
